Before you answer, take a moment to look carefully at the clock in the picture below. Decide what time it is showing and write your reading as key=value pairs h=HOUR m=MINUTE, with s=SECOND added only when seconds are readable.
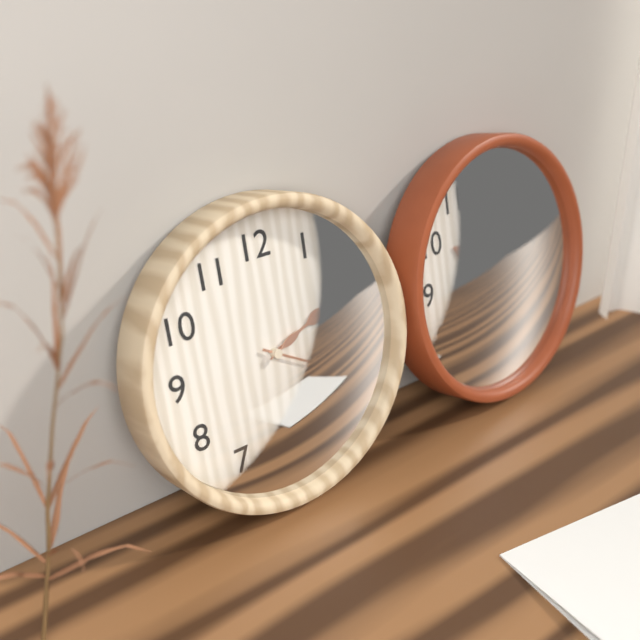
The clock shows h=2 m=20
